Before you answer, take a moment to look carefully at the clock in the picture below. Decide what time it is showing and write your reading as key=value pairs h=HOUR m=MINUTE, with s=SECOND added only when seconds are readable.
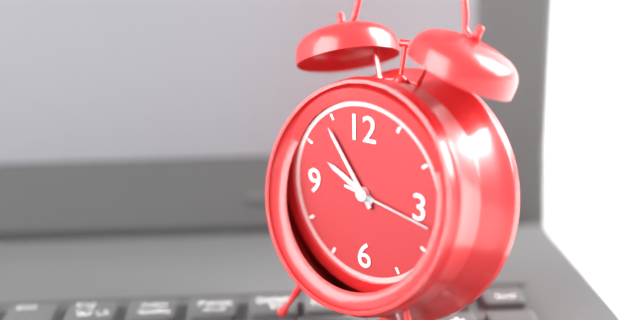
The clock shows h=9 m=54 s=17
